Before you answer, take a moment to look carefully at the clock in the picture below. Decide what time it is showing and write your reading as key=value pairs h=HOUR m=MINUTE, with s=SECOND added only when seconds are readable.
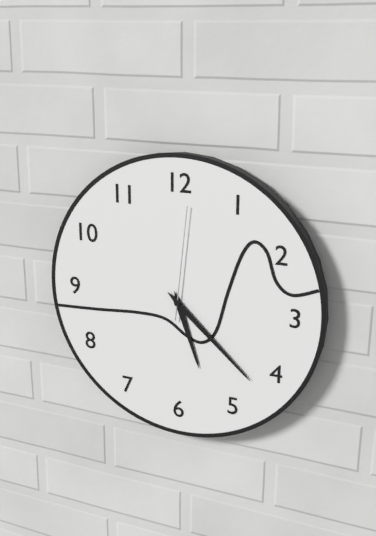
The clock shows h=5 m=22 s=1
